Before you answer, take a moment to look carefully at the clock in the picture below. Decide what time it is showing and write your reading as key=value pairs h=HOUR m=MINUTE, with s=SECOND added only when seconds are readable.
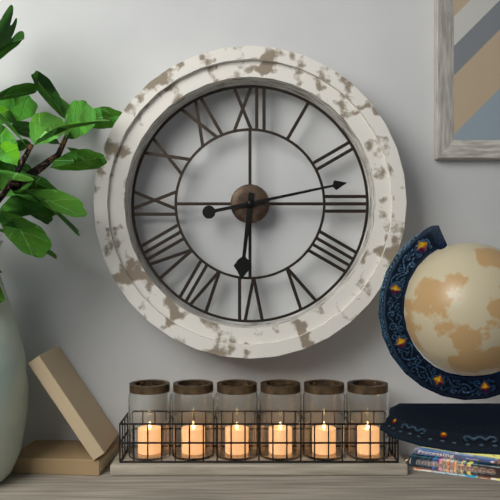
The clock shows h=6 m=13
